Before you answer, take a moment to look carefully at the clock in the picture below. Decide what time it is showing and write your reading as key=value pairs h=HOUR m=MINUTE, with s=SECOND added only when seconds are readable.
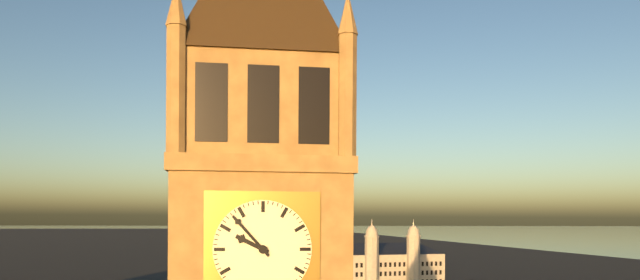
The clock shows h=9 m=53
